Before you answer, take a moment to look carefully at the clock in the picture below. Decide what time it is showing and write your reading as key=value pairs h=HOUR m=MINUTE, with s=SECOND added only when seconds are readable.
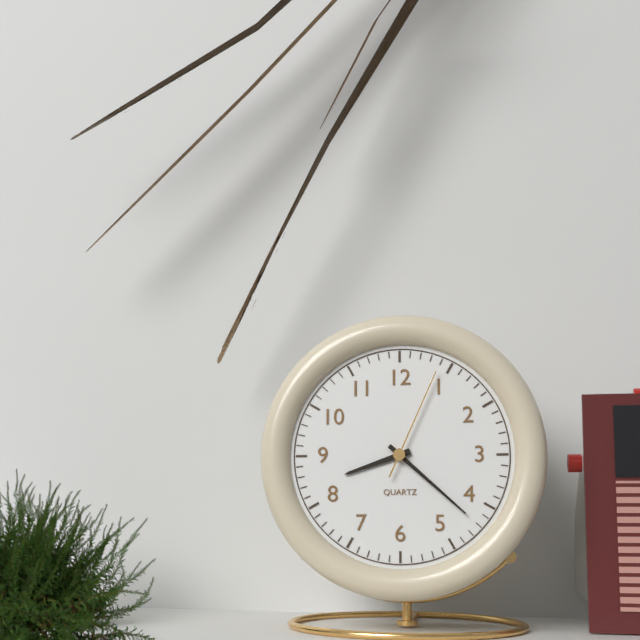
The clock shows h=8 m=22 s=4
